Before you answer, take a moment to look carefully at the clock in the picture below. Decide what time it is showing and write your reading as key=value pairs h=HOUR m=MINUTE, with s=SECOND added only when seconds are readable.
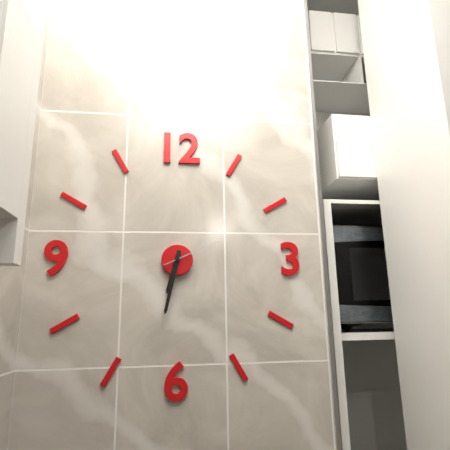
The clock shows h=6 m=32 s=11
